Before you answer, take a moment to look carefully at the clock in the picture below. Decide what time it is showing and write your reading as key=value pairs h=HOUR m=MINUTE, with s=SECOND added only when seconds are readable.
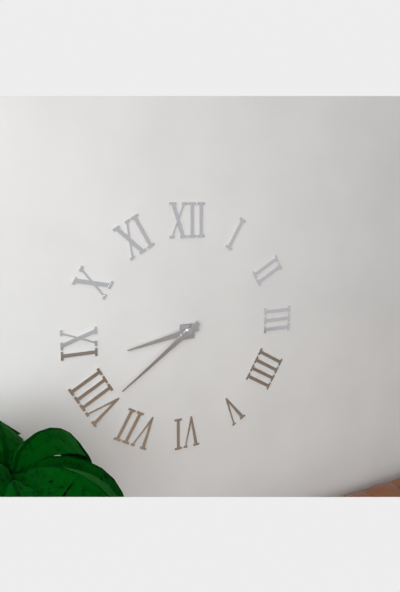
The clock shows h=8 m=39
